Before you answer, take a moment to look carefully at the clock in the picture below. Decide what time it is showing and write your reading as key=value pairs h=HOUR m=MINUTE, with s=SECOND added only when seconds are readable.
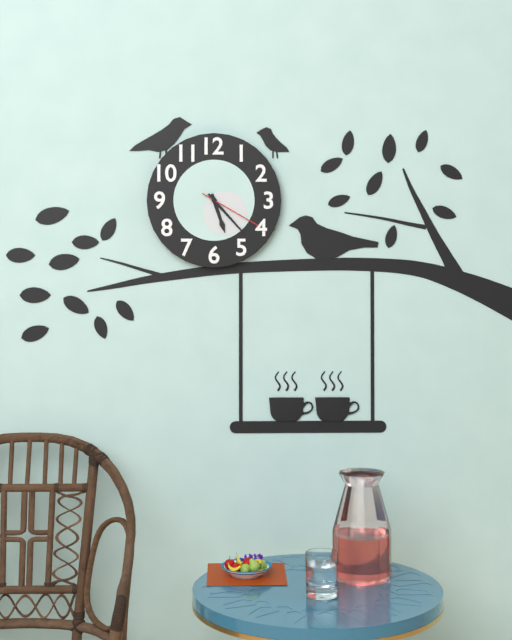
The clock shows h=5 m=23 s=20
